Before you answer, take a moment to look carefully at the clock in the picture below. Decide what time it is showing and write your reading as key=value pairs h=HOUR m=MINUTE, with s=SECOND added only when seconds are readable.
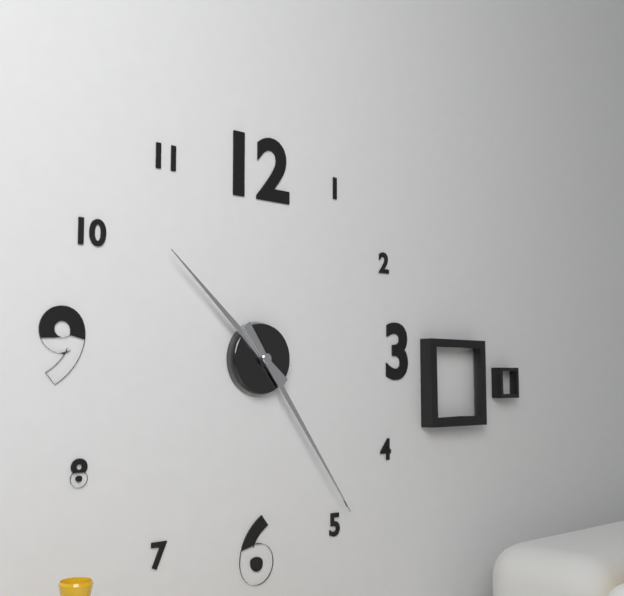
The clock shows h=10 m=24
